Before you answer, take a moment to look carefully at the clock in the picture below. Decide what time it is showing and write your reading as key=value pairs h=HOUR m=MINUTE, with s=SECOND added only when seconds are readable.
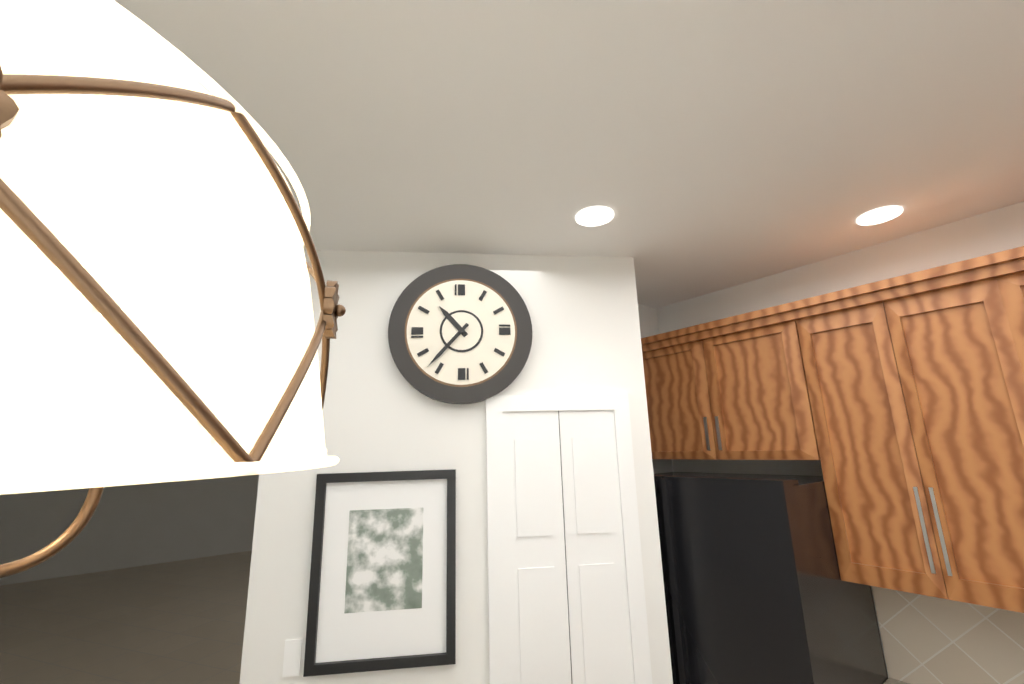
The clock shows h=10 m=37
